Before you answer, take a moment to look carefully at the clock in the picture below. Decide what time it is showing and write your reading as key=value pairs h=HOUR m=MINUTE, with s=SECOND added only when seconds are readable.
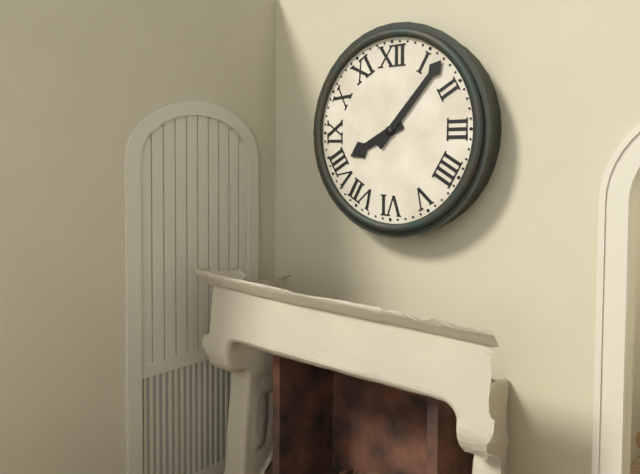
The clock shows h=8 m=7
